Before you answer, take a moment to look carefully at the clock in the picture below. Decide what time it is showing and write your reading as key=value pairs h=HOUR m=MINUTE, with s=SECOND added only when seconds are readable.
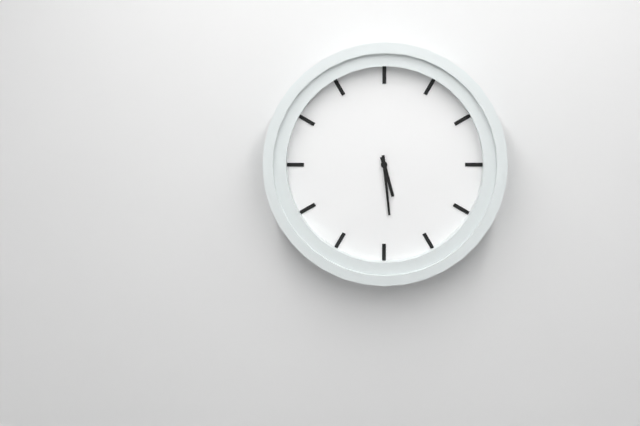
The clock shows h=5 m=29
